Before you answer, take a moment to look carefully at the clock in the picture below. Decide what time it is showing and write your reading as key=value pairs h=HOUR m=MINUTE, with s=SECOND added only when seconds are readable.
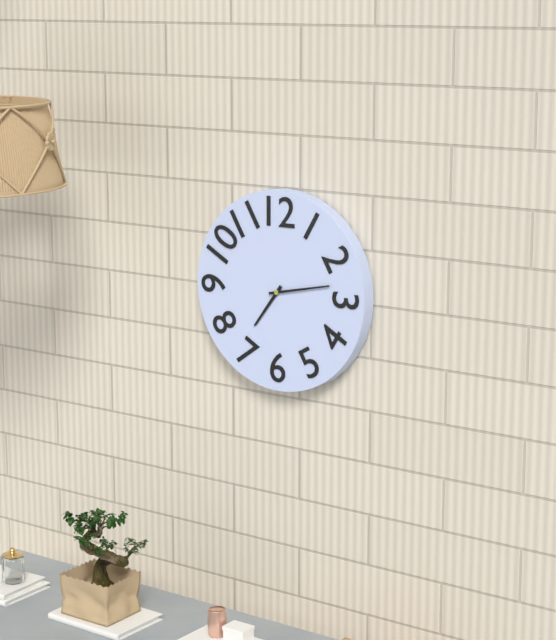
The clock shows h=7 m=13
